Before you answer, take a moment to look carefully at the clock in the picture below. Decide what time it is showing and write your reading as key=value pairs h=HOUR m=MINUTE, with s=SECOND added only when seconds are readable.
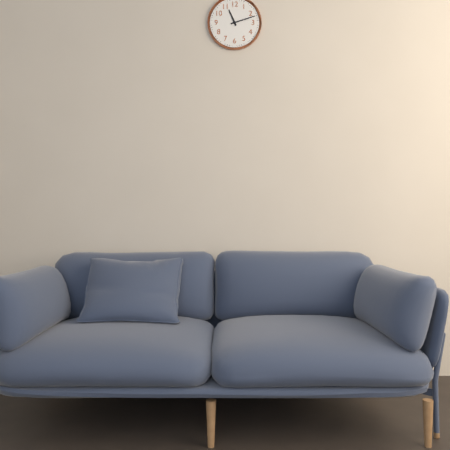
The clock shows h=11 m=12
